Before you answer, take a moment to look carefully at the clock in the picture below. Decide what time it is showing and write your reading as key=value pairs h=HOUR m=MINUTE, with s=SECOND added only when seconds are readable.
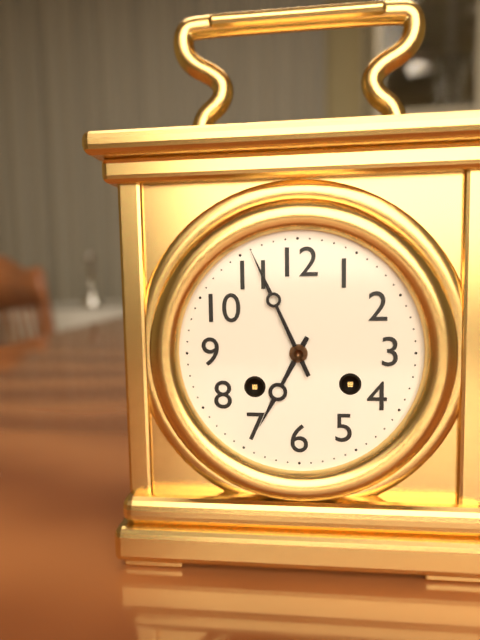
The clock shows h=6 m=56
